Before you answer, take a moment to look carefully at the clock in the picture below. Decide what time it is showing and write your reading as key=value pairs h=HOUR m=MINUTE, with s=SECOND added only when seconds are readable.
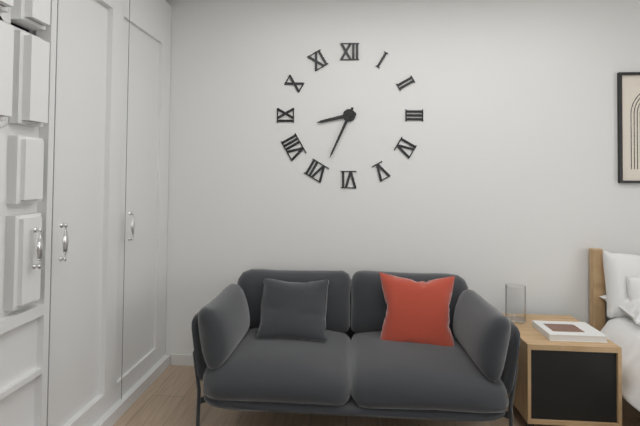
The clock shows h=8 m=34
